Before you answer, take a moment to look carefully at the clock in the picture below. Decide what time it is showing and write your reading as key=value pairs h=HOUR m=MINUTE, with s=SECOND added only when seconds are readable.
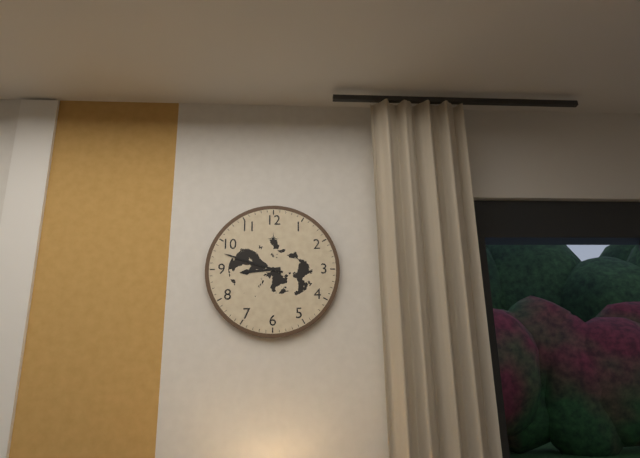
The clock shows h=8 m=48
